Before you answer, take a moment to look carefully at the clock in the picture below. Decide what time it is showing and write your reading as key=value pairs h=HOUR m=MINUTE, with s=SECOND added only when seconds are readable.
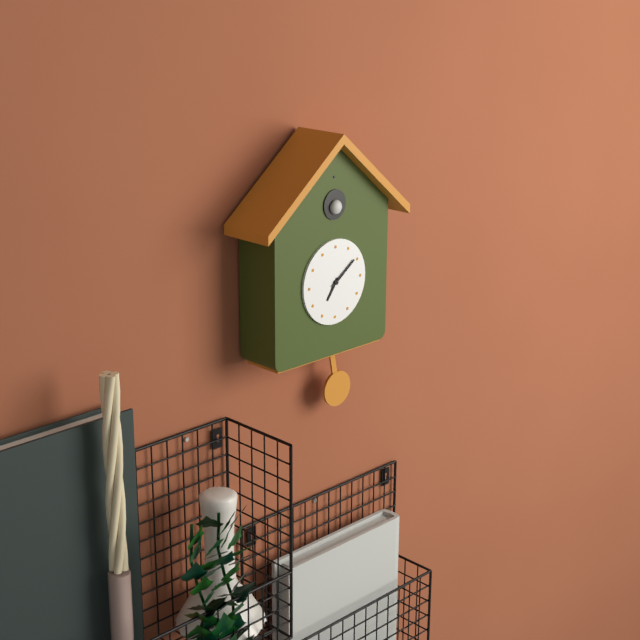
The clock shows h=7 m=9
